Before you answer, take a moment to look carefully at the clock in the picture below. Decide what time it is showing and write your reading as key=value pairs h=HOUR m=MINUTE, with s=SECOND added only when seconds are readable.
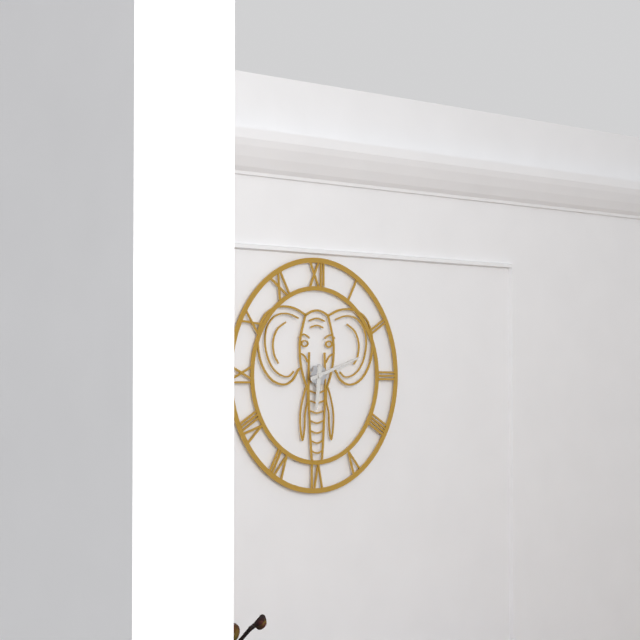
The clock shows h=6 m=12
